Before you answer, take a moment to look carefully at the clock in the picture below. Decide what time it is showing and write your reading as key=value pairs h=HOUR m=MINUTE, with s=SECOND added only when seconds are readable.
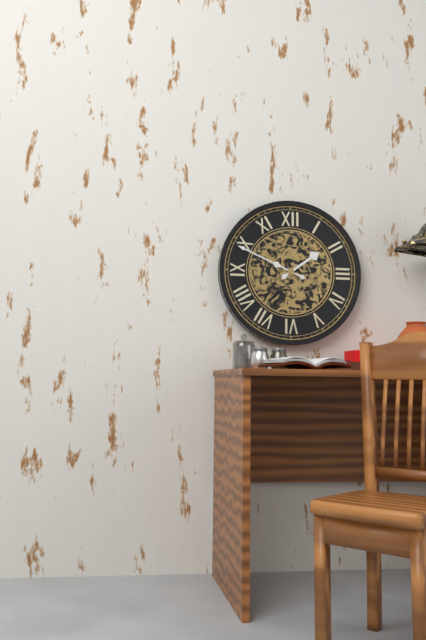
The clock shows h=1 m=49
